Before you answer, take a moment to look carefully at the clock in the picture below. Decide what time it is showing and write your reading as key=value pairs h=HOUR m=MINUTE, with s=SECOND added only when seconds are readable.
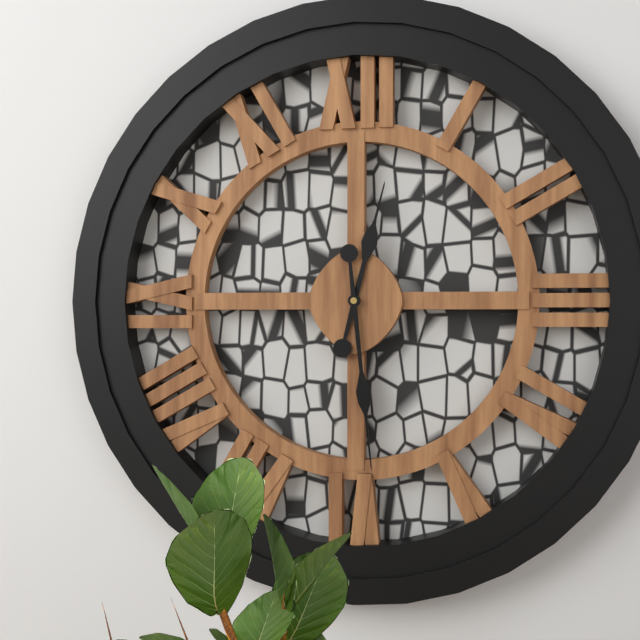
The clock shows h=12 m=29
